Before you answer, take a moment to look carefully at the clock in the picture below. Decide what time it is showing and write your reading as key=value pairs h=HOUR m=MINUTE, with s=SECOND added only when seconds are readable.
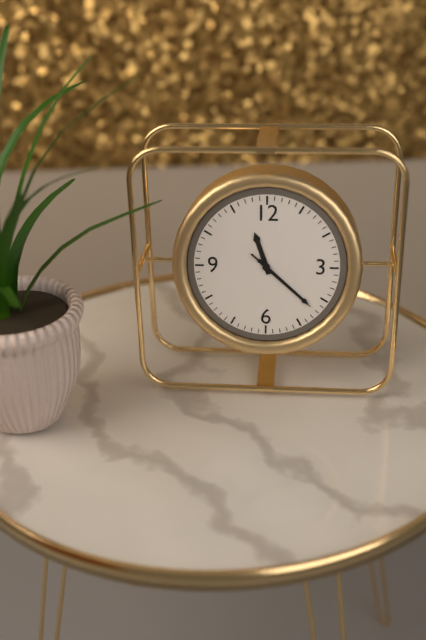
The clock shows h=11 m=22 s=22
